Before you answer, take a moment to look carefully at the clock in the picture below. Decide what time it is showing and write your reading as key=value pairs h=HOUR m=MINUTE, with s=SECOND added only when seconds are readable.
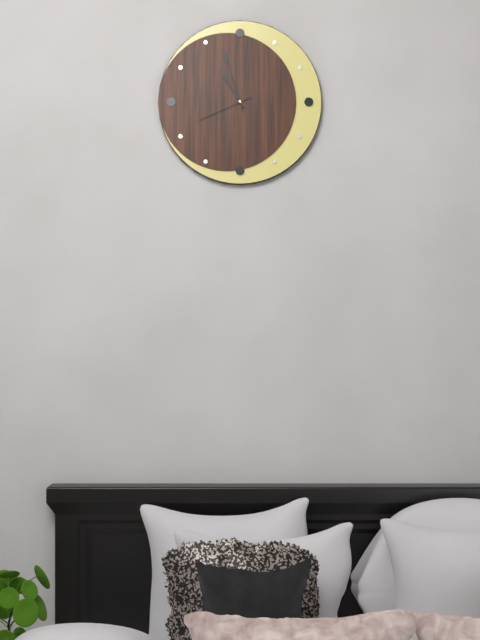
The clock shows h=10 m=57 s=41
